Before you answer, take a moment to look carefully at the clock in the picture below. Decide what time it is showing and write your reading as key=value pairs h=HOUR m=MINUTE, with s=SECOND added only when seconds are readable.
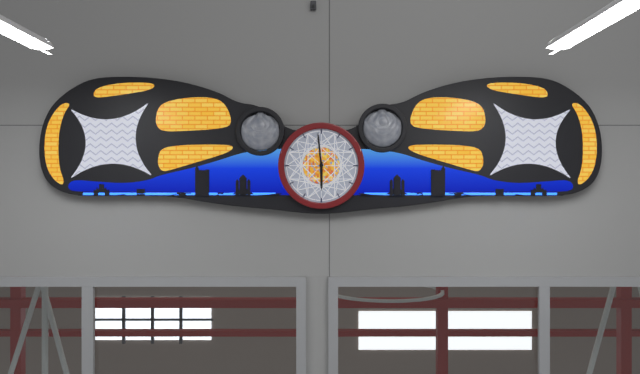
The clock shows h=5 m=59
